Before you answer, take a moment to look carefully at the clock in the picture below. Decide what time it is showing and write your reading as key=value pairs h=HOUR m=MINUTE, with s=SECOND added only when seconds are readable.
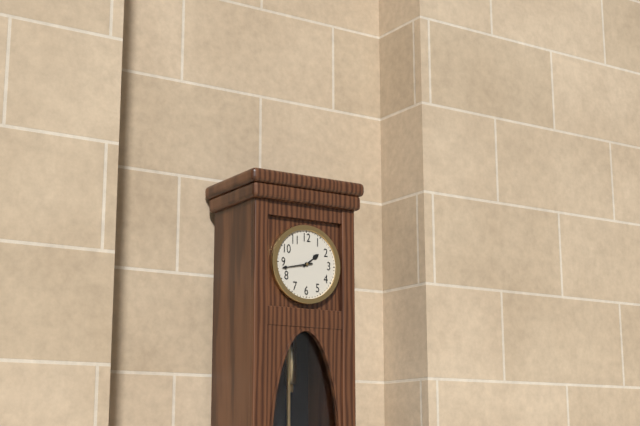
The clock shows h=1 m=43
